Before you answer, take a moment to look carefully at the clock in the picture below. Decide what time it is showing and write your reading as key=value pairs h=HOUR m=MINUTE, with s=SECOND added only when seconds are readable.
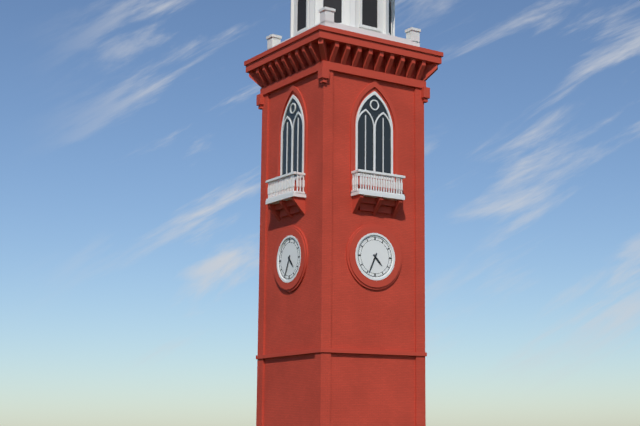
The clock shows h=4 m=34
